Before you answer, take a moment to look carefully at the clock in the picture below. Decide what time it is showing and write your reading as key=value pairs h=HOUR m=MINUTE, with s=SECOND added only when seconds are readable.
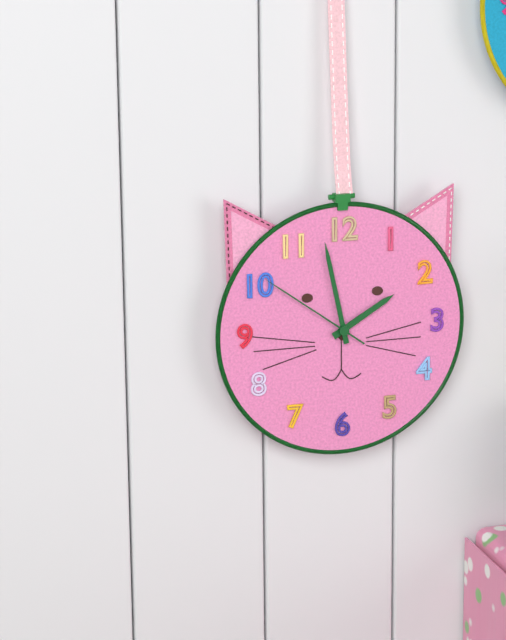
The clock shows h=1 m=58 s=51
